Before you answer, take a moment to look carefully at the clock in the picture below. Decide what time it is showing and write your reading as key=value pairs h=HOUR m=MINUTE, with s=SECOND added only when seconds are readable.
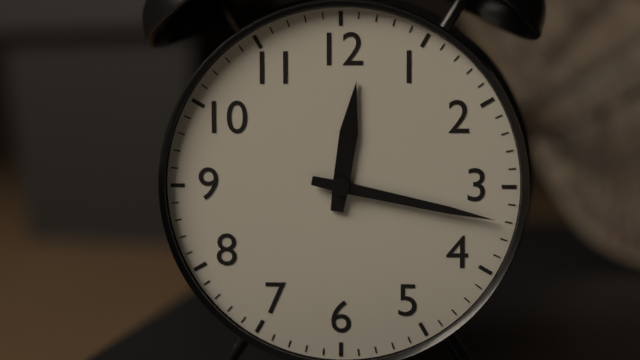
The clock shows h=12 m=17
